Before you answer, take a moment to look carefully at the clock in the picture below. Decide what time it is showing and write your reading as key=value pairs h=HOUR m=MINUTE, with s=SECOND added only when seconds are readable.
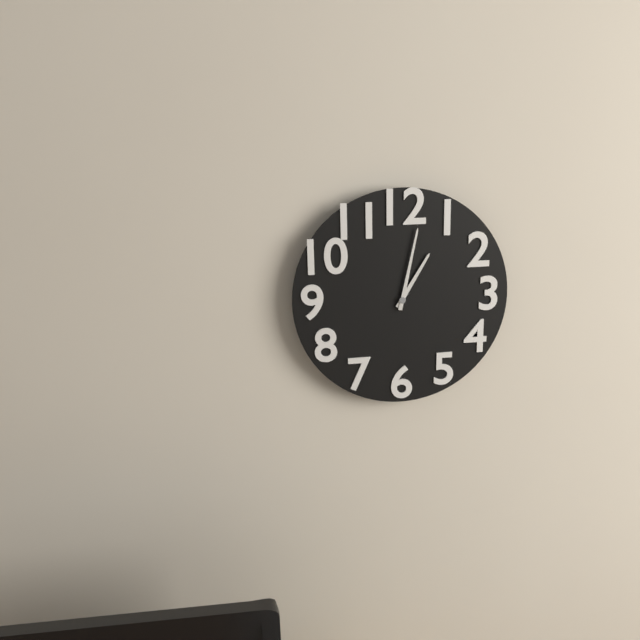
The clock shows h=1 m=2
